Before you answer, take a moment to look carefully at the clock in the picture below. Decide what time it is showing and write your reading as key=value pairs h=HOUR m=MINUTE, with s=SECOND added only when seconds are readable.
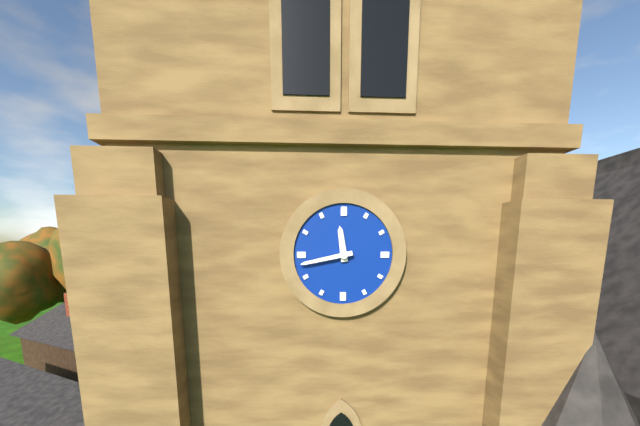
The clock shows h=11 m=43
